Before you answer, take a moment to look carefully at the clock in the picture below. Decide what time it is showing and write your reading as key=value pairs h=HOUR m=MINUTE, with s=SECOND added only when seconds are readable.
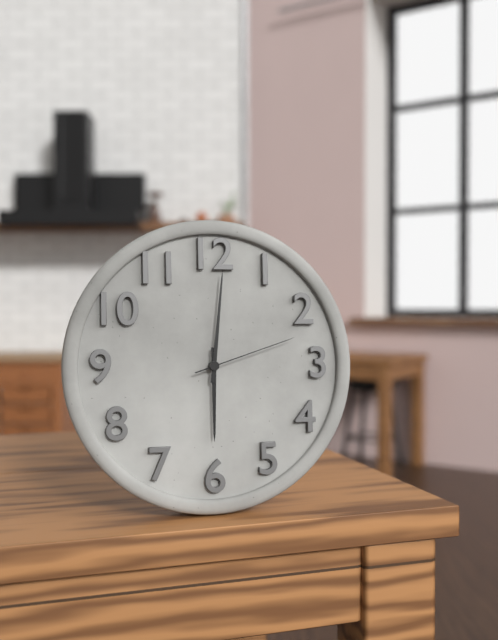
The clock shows h=6 m=1 s=12
